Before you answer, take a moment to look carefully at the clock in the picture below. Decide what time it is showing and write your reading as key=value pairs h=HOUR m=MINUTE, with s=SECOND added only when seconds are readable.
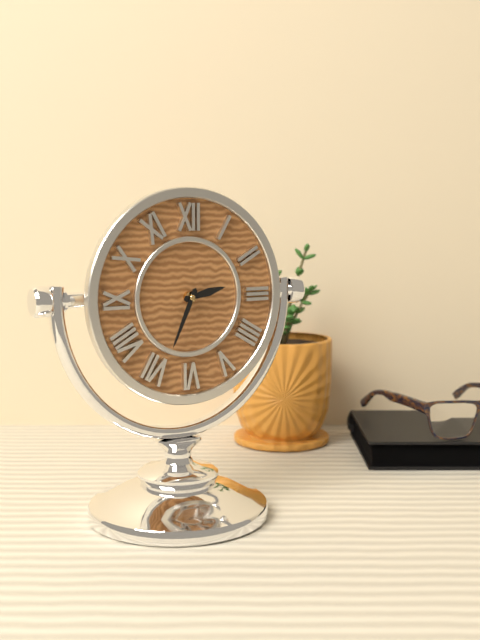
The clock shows h=2 m=34
